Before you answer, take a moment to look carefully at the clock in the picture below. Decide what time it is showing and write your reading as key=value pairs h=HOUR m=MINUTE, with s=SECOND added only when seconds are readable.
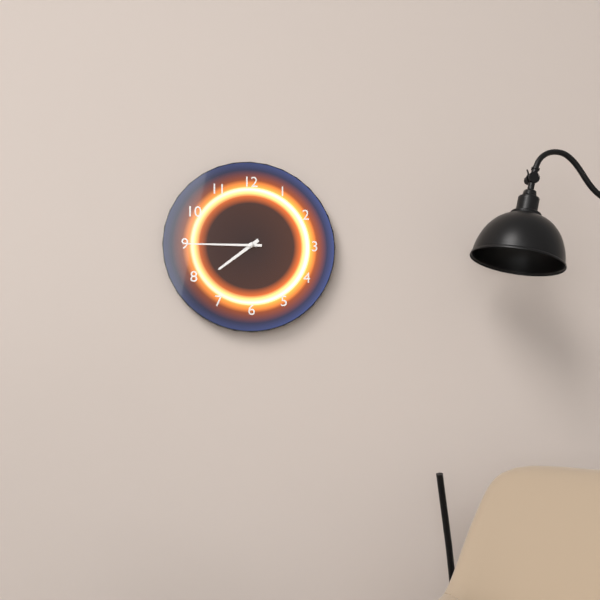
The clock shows h=7 m=45
